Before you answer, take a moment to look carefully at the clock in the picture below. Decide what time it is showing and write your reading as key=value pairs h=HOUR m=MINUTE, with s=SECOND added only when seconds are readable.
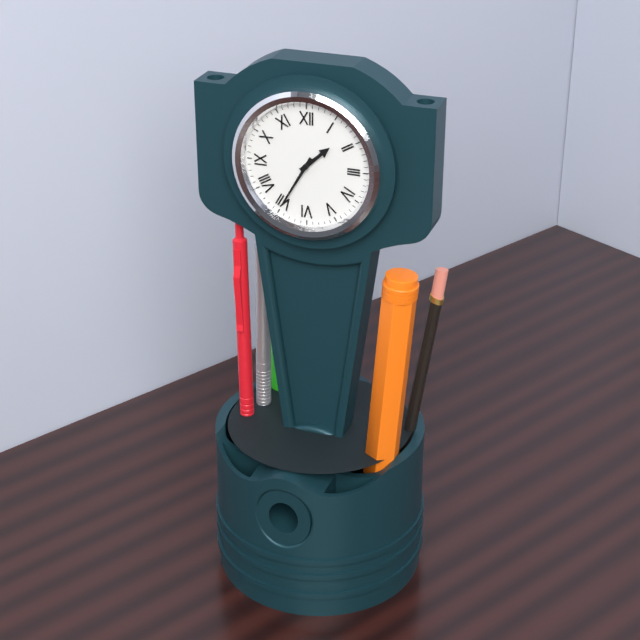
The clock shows h=1 m=35
